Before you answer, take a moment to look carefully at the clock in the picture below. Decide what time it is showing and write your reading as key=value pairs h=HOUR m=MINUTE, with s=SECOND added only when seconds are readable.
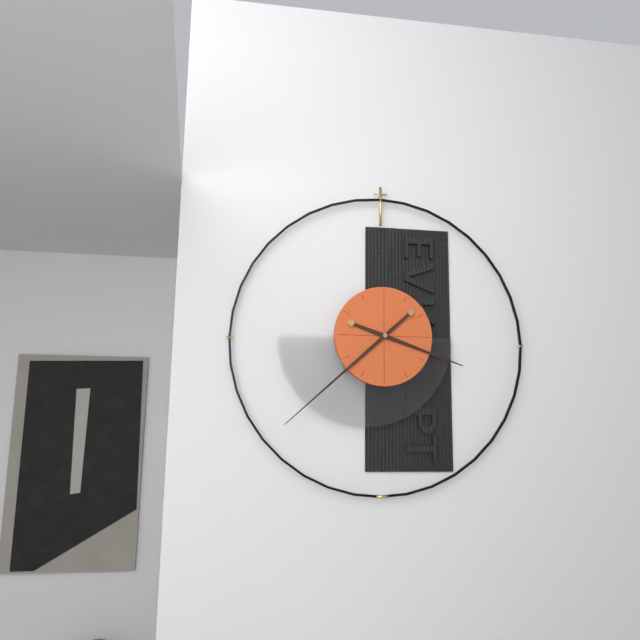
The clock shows h=3 m=38
